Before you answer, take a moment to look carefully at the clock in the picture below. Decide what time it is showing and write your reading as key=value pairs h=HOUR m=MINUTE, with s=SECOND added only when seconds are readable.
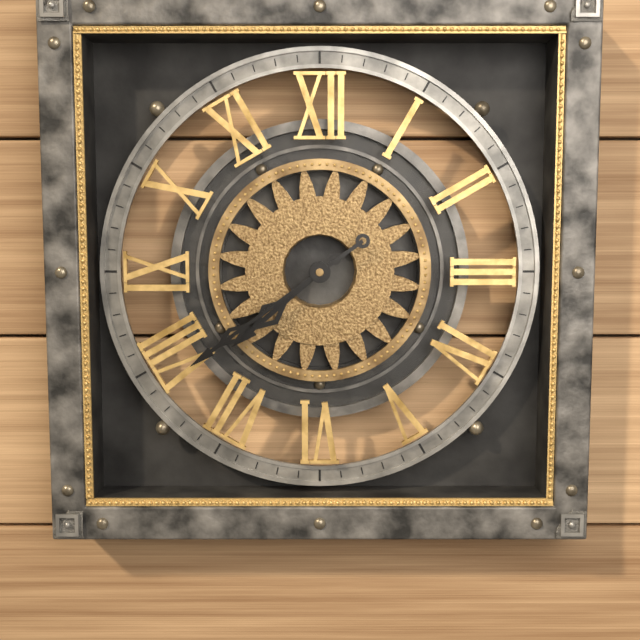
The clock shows h=7 m=39
